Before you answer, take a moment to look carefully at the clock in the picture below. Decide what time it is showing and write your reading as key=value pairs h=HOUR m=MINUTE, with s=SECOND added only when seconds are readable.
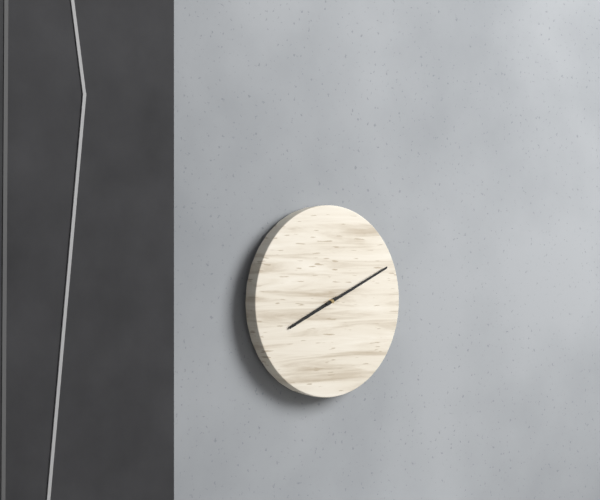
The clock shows h=8 m=11
